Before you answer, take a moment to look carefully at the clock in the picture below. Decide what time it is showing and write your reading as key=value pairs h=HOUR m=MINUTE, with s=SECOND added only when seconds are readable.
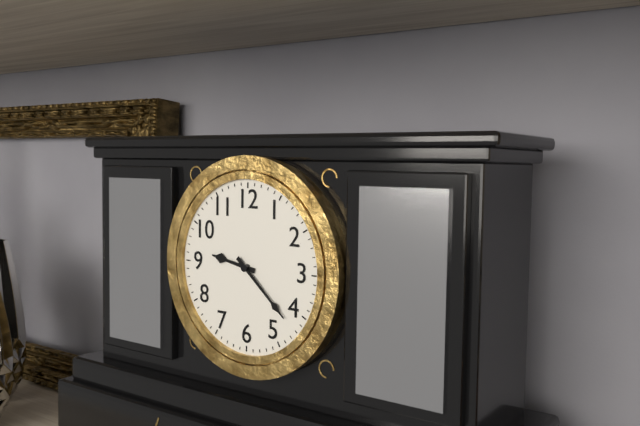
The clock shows h=9 m=22
